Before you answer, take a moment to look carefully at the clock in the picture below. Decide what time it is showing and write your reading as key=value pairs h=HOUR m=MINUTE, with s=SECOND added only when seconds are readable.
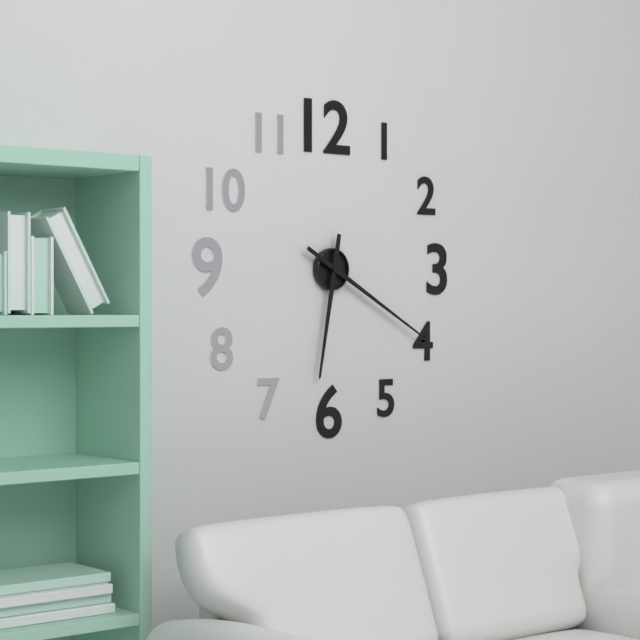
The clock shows h=6 m=20
